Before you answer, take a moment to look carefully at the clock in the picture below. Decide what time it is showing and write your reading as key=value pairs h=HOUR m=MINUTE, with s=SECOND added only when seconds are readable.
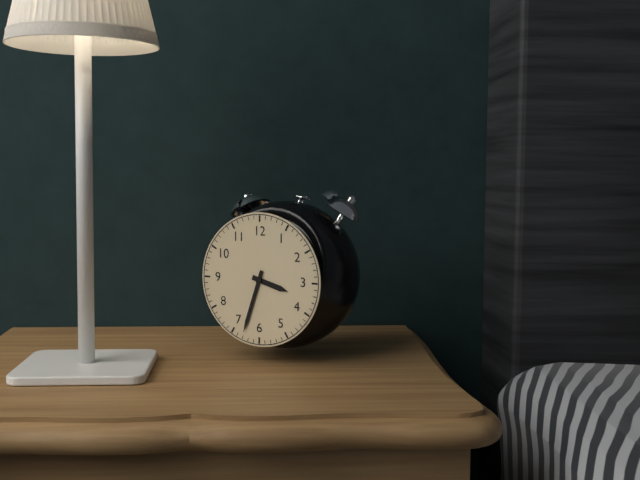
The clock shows h=3 m=33
